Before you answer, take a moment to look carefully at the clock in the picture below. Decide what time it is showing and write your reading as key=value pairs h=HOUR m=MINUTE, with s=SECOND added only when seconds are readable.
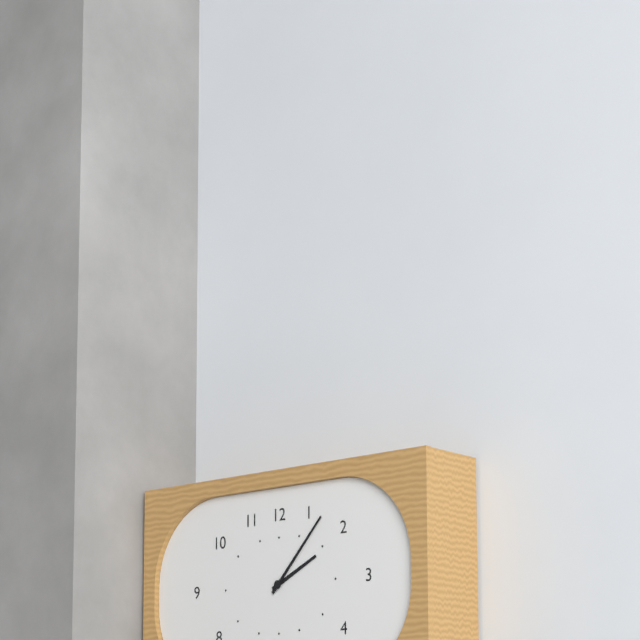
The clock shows h=2 m=7
